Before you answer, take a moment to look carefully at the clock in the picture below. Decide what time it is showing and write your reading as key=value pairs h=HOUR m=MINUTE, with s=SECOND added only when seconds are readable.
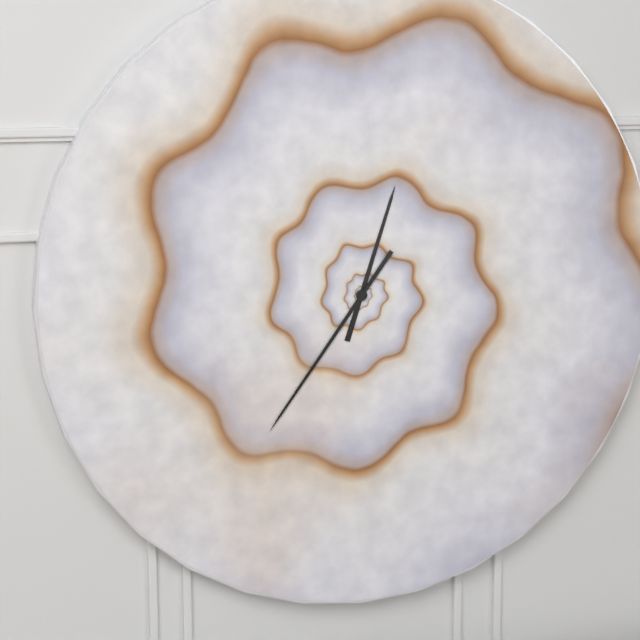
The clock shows h=12 m=36
